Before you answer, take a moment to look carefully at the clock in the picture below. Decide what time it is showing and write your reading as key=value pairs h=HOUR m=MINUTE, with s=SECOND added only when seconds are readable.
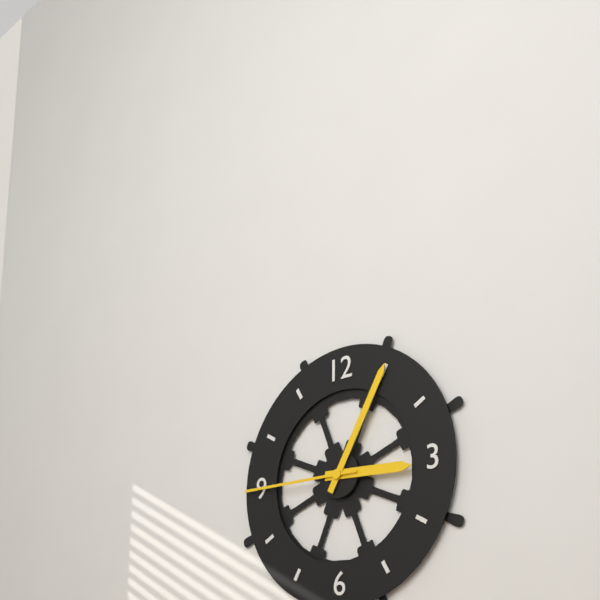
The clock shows h=3 m=5 s=45
